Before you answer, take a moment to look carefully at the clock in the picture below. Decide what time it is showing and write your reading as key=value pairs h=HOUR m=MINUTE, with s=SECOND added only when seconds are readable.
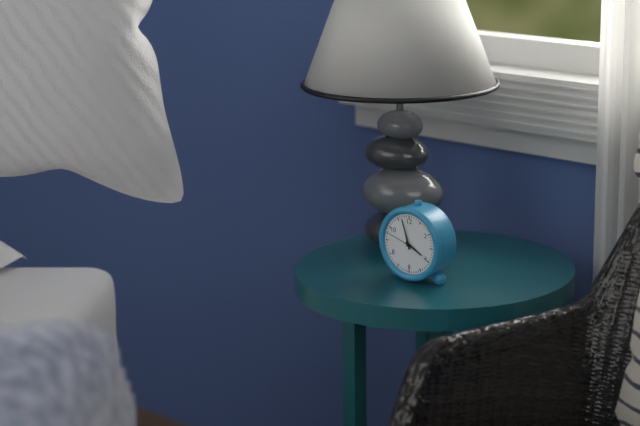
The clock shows h=3 m=57
